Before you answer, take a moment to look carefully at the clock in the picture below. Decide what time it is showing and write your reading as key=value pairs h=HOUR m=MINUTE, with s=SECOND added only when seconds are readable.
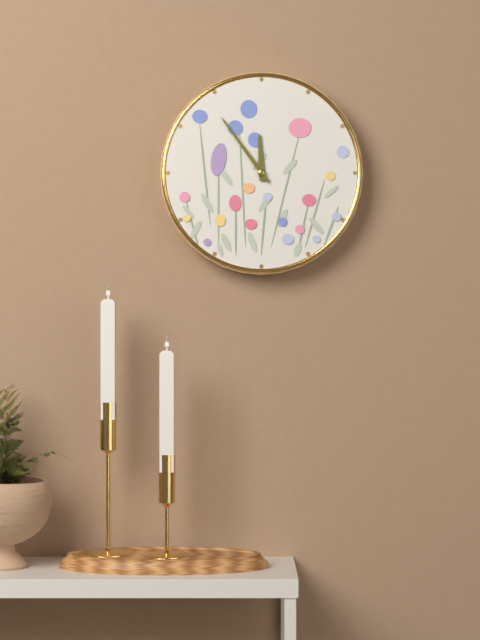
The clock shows h=11 m=54
